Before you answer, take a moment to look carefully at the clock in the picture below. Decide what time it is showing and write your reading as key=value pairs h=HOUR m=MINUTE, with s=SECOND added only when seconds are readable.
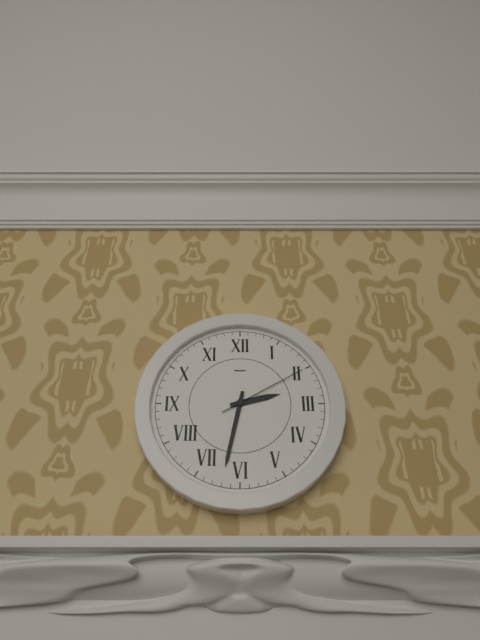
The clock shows h=2 m=32 s=10
